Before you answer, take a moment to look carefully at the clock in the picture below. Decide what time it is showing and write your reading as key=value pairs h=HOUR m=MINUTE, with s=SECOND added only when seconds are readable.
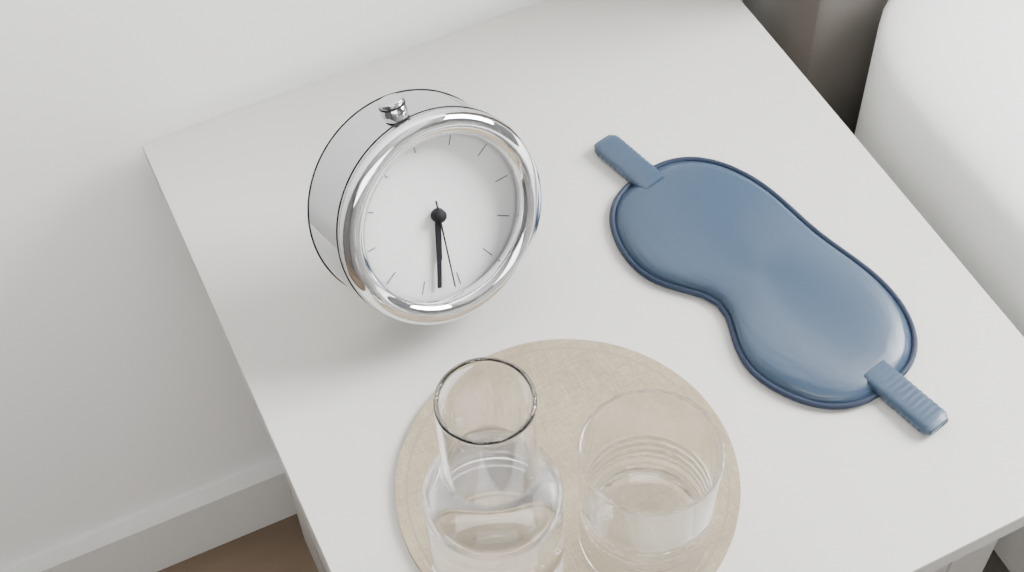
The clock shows h=6 m=33 s=31
